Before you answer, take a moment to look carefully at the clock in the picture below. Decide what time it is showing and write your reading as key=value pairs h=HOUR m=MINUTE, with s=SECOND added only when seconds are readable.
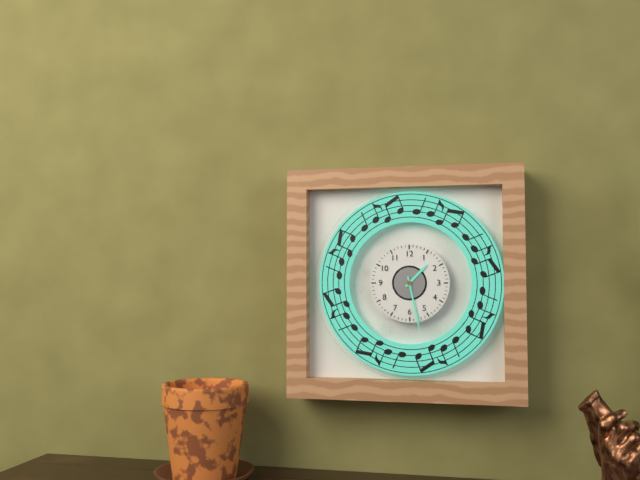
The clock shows h=1 m=28
